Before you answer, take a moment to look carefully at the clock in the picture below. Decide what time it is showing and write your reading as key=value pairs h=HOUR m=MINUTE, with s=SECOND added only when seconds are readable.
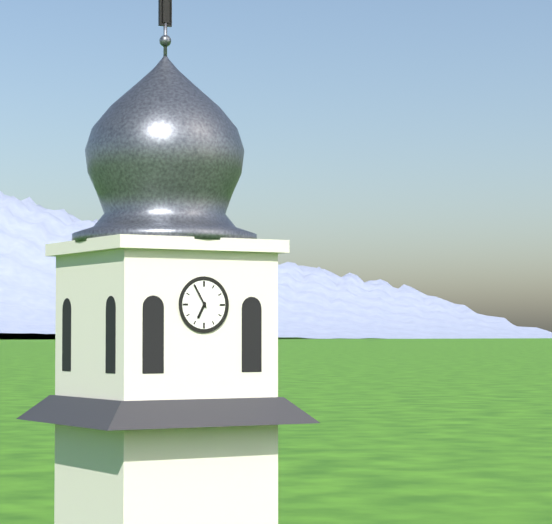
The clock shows h=6 m=55
